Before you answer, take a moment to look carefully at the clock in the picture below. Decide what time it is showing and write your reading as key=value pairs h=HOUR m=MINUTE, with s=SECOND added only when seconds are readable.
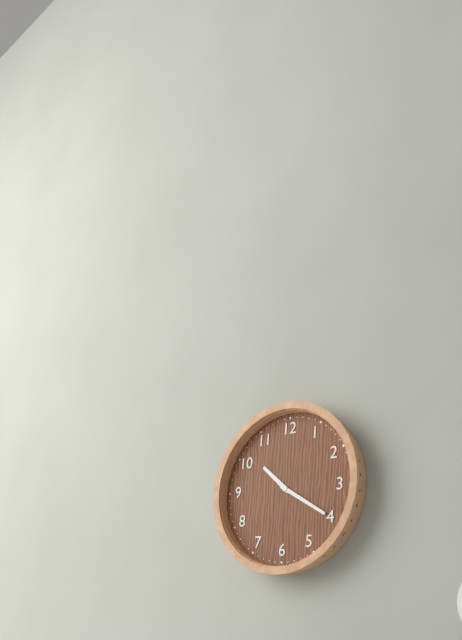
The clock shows h=10 m=20
